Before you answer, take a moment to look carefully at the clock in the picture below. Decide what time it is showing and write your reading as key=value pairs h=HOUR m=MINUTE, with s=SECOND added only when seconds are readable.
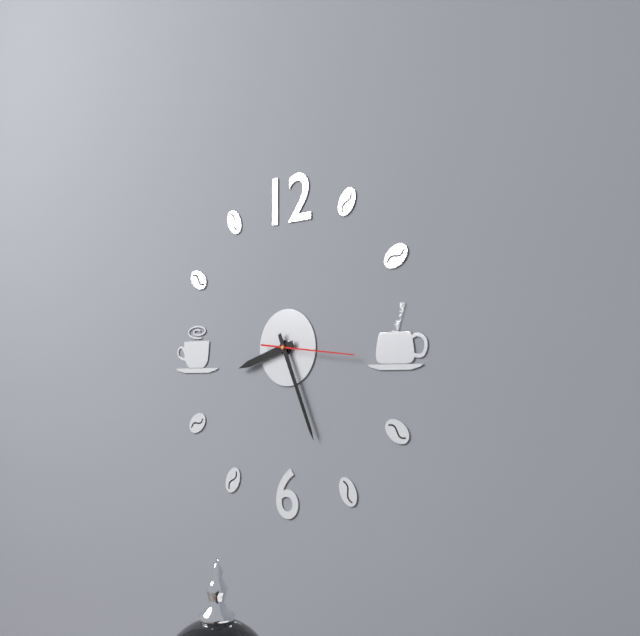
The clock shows h=8 m=26 s=16
